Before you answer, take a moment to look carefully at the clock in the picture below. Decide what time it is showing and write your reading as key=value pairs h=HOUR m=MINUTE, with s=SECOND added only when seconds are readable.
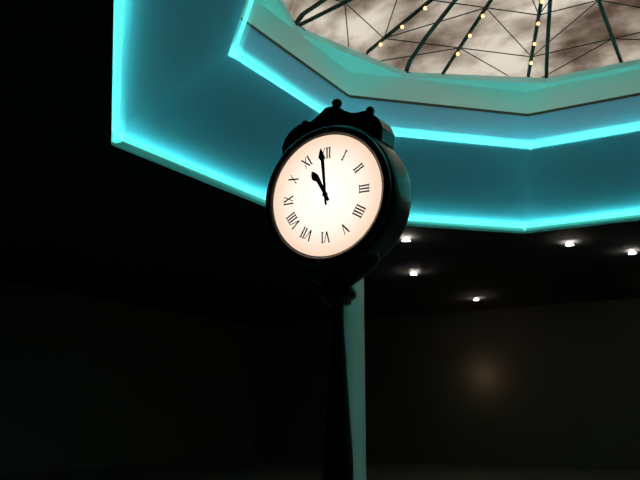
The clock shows h=10 m=59
